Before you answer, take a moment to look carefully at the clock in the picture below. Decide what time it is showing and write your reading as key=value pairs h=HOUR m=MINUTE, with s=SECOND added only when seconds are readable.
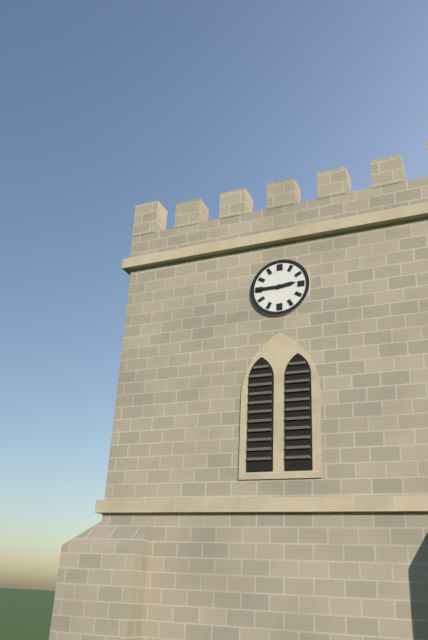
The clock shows h=2 m=45
